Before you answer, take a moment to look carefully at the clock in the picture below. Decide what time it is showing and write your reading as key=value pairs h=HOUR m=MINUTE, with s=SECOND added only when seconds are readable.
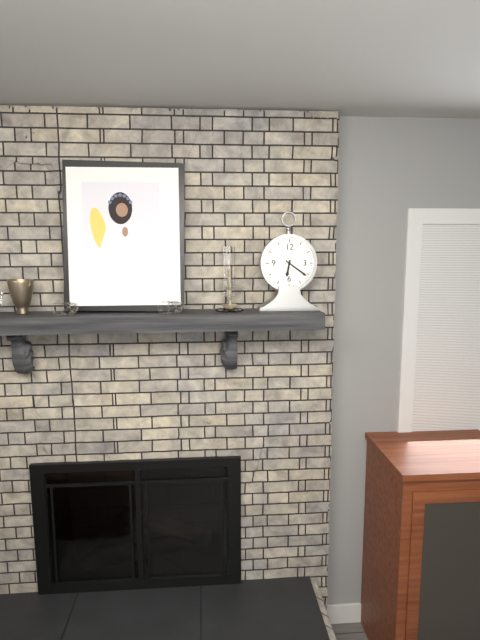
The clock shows h=6 m=21
